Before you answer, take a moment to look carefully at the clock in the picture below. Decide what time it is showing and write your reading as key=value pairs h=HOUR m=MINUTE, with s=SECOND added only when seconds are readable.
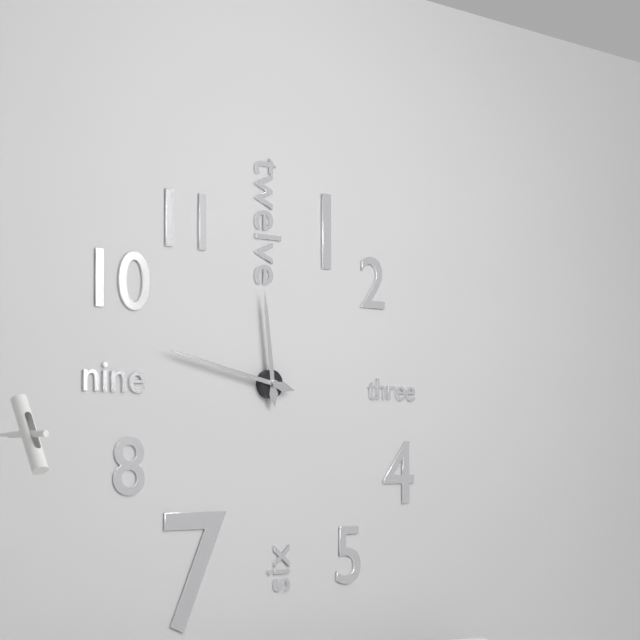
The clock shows h=11 m=47
